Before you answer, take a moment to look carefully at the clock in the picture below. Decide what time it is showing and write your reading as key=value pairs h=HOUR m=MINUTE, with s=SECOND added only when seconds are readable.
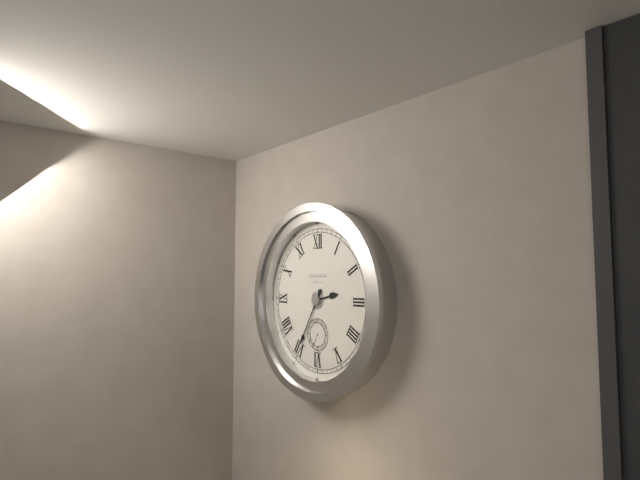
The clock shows h=2 m=35
